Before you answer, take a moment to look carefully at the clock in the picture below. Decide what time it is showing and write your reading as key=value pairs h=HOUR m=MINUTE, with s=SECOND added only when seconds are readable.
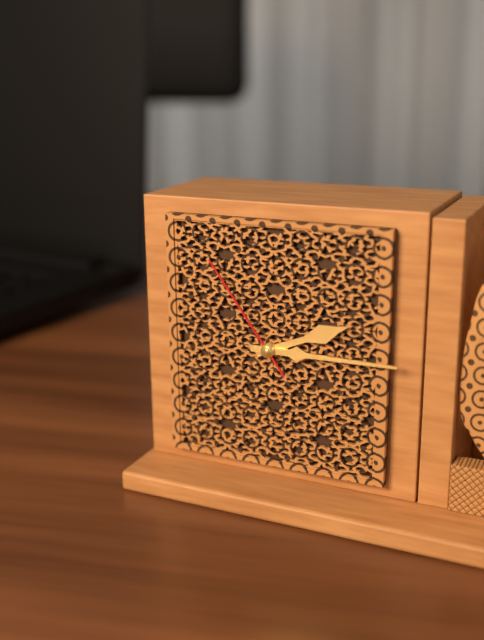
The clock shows h=2 m=15 s=54
